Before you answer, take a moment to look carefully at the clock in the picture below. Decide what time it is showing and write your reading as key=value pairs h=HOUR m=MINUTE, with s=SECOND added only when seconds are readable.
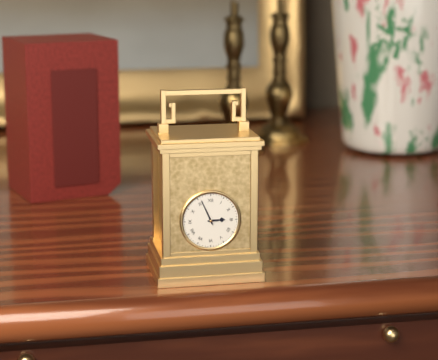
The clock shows h=2 m=56
